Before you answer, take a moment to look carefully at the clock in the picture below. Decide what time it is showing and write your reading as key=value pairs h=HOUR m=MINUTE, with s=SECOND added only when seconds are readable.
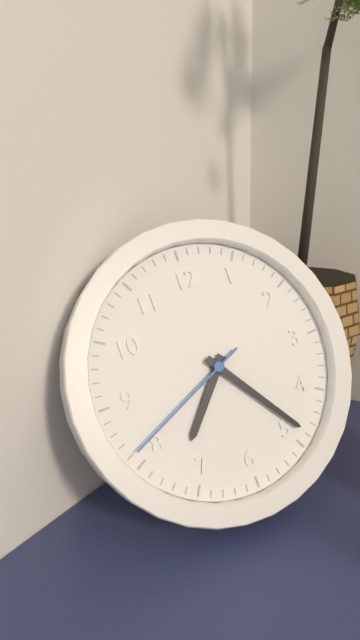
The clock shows h=7 m=24 s=41
